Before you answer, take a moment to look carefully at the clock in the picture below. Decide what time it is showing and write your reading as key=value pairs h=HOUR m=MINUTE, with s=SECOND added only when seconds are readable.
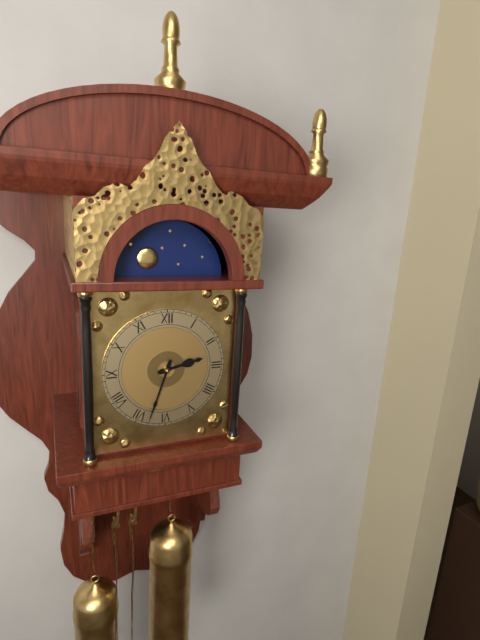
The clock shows h=2 m=33
